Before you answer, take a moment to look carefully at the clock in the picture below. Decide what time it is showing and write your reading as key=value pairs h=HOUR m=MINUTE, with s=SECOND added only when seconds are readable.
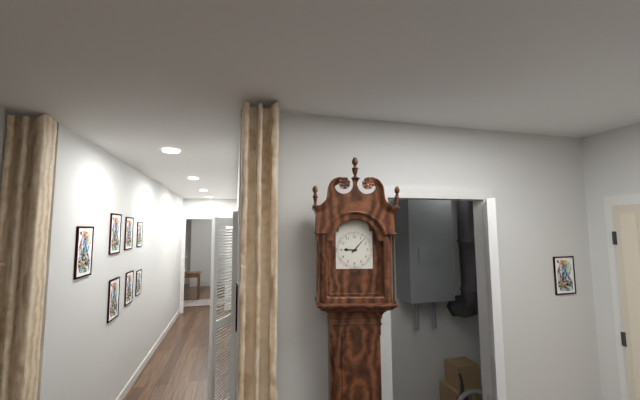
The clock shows h=9 m=7
